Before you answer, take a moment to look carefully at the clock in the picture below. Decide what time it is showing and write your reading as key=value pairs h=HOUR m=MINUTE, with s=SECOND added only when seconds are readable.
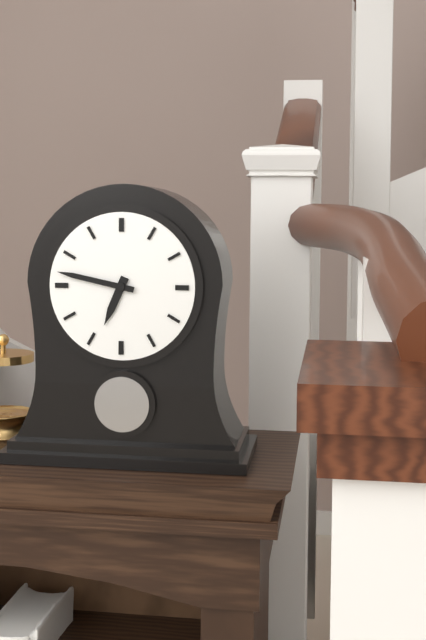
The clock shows h=6 m=47
